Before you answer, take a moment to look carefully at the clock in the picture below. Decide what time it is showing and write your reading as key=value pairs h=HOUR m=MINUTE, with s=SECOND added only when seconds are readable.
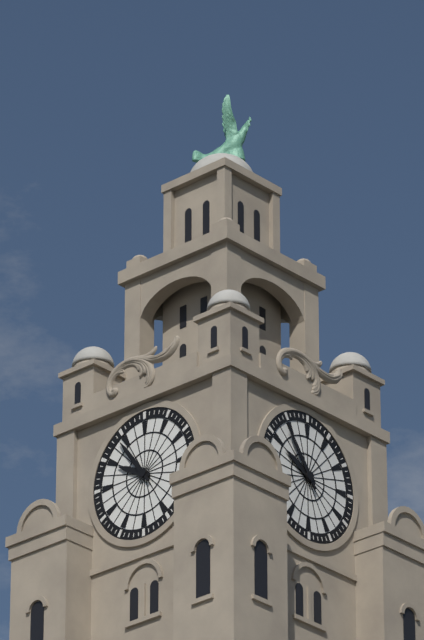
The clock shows h=9 m=54
